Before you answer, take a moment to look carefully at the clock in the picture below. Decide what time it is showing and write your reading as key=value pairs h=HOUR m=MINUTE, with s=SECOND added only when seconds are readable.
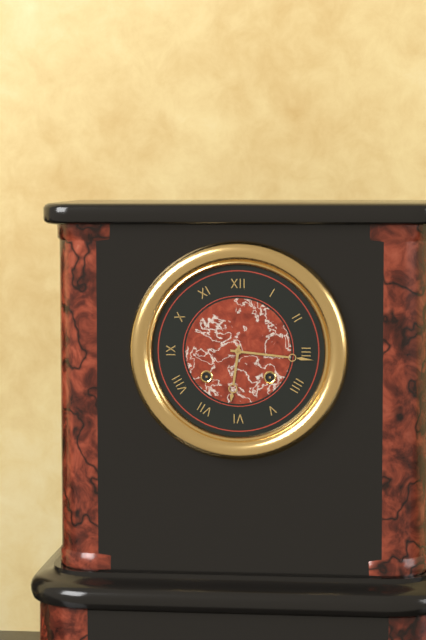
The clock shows h=6 m=16
